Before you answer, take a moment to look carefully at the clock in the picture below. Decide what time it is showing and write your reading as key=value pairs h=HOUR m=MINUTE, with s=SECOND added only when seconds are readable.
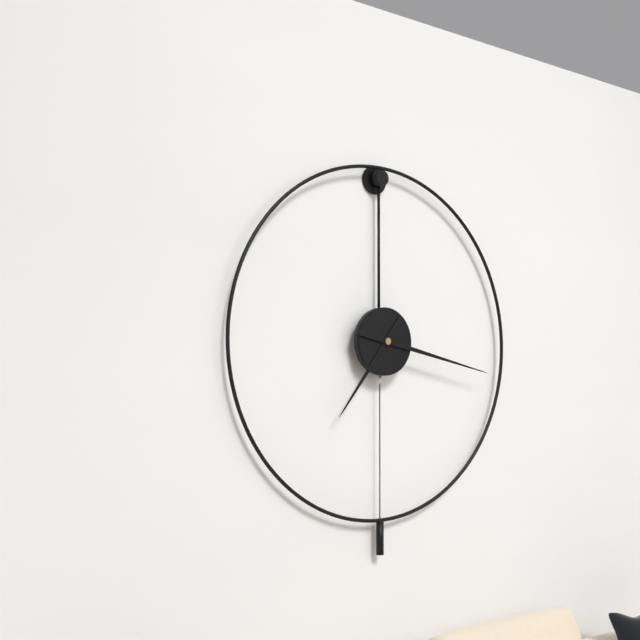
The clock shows h=7 m=17
